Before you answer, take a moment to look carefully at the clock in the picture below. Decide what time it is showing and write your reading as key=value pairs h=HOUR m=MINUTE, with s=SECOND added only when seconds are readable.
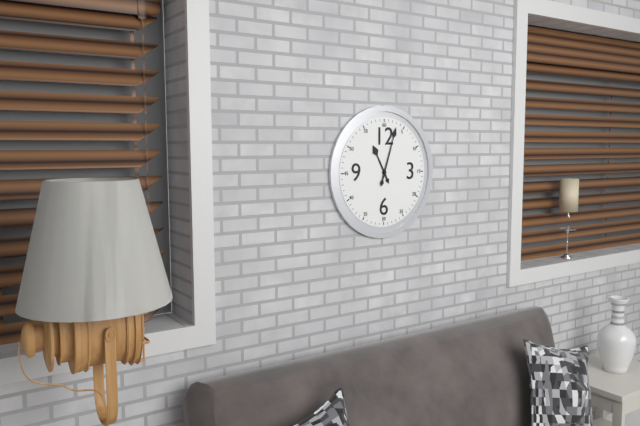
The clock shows h=11 m=3
